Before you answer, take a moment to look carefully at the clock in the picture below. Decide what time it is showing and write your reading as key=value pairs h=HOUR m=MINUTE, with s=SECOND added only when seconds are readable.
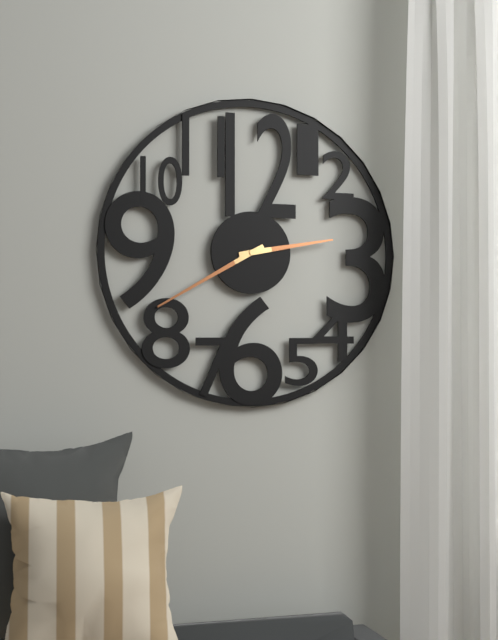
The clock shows h=2 m=40
